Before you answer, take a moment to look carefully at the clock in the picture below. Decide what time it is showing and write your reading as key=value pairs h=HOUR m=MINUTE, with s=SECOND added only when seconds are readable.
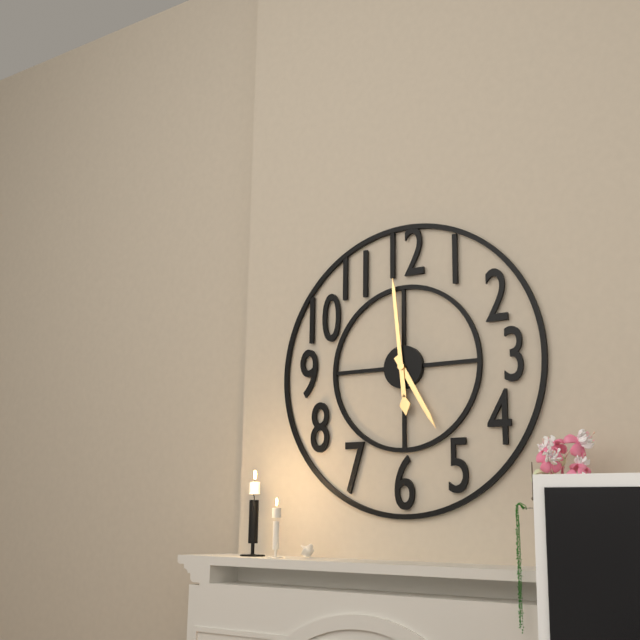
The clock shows h=4 m=59
